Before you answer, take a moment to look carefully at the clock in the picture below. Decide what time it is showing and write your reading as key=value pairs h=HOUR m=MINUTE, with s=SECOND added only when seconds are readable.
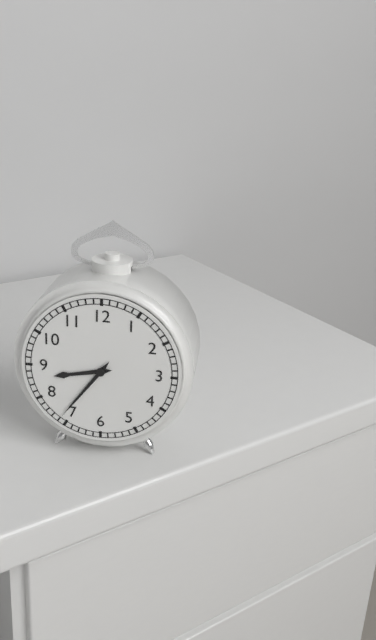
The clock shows h=8 m=36
